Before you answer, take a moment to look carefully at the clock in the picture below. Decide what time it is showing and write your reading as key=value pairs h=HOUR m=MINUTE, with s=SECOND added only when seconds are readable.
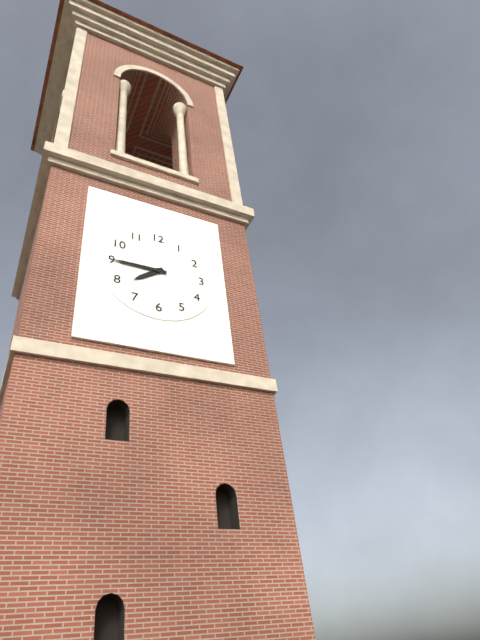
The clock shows h=7 m=45
